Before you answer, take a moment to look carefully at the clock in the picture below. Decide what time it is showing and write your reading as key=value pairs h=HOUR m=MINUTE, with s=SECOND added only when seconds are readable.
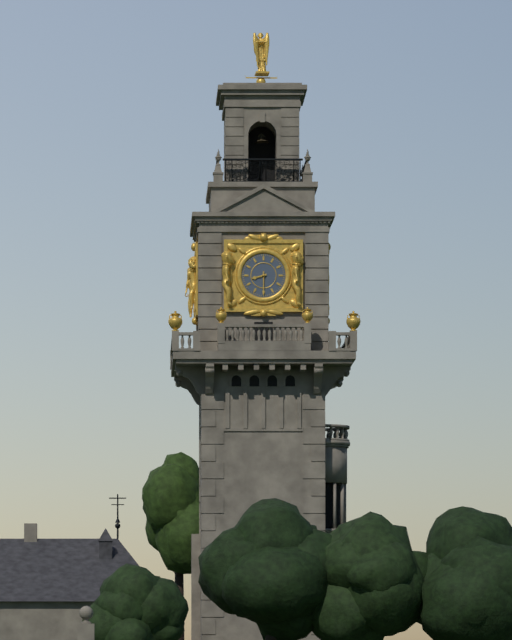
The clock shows h=8 m=30
